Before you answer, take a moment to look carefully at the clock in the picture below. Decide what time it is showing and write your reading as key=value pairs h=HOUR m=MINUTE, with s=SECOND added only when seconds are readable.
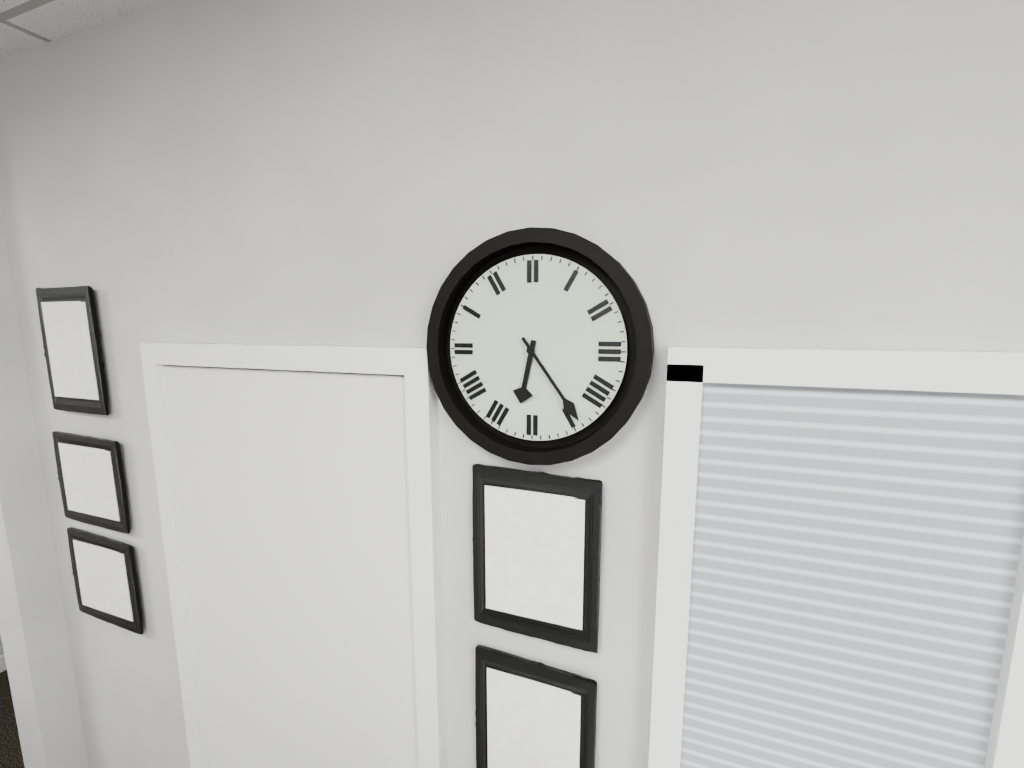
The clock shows h=6 m=24
